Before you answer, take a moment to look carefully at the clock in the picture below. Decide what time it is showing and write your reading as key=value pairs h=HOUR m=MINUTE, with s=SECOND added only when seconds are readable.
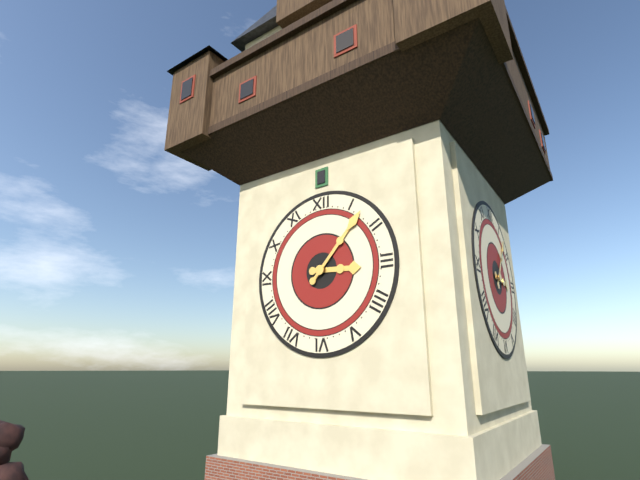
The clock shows h=3 m=7
